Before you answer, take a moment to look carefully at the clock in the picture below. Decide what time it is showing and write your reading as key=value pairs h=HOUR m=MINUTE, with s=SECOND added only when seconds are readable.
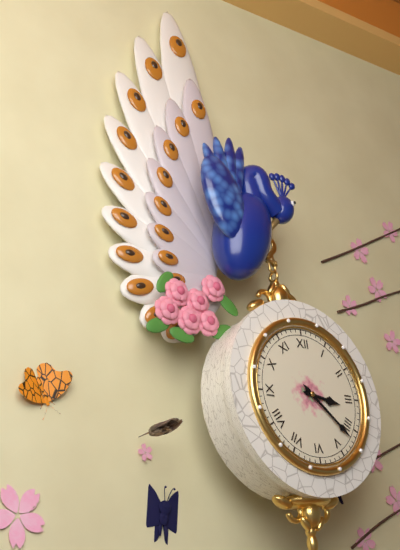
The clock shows h=3 m=22
